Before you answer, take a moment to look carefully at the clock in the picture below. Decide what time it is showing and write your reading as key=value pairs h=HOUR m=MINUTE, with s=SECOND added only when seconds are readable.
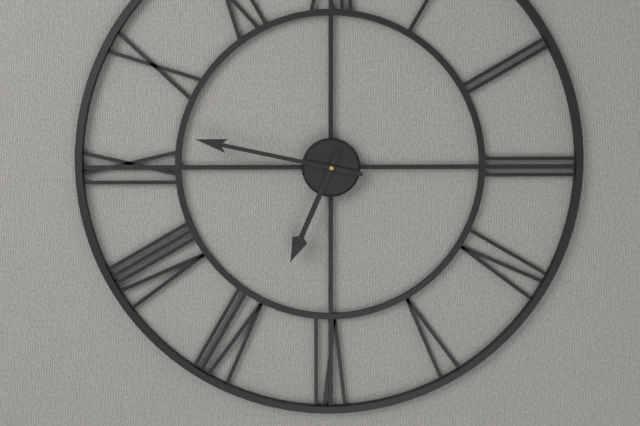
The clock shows h=6 m=47
